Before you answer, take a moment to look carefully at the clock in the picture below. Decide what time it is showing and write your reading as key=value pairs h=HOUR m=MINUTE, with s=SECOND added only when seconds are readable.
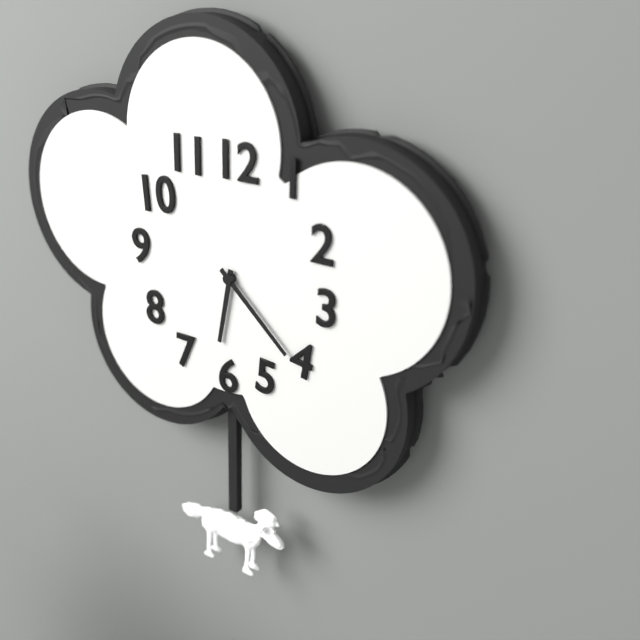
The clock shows h=6 m=22
